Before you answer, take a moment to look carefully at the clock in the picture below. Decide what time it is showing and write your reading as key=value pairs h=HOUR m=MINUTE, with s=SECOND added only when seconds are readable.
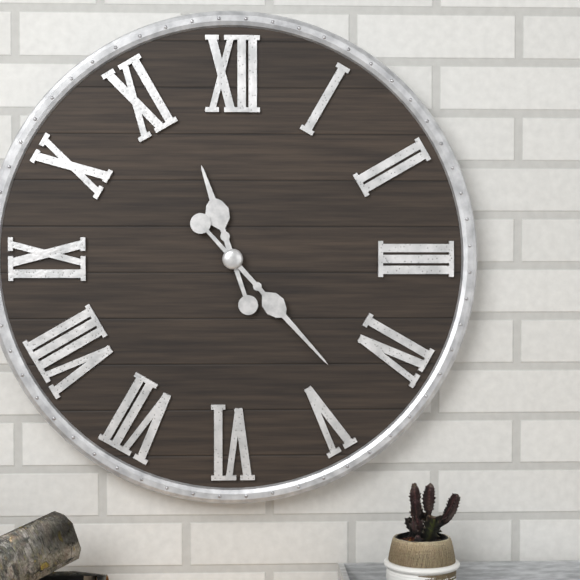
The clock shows h=11 m=23
